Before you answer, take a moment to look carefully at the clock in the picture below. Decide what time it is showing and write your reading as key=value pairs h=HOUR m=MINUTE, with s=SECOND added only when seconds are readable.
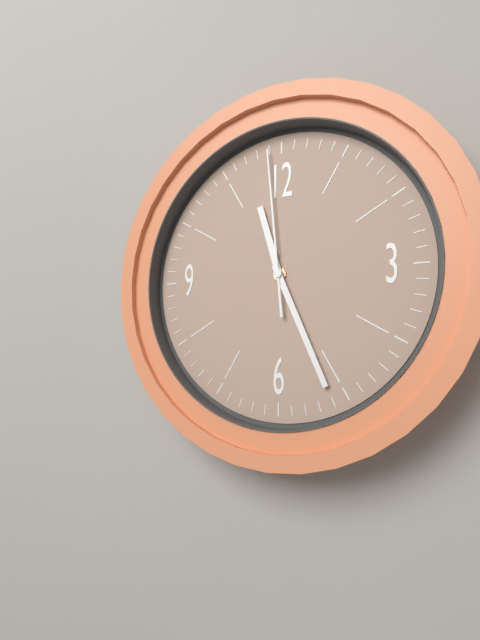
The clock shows h=11 m=26 s=59
